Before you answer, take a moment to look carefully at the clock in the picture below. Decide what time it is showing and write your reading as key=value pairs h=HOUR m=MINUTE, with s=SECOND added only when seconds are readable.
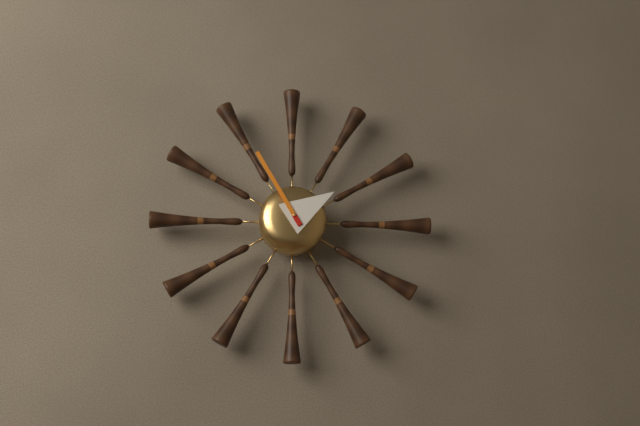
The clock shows h=1 m=55
